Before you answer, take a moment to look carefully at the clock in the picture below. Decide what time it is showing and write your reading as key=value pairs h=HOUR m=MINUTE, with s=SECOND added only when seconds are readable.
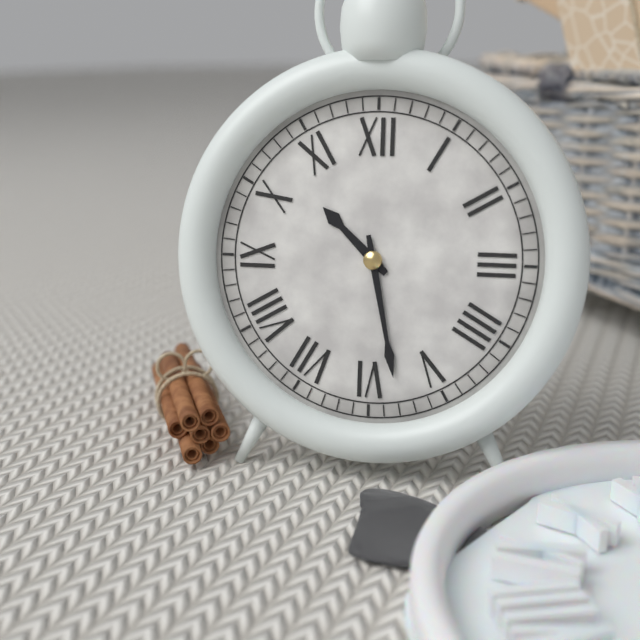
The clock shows h=10 m=28
